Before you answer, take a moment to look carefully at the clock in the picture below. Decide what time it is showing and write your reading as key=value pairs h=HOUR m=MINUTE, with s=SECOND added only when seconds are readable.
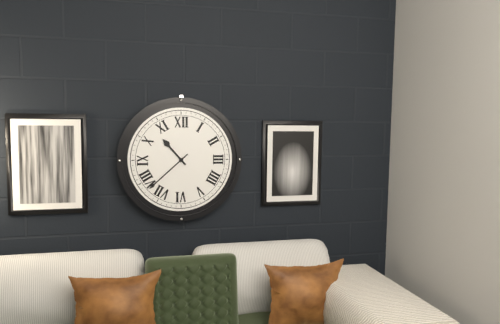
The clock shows h=10 m=38
